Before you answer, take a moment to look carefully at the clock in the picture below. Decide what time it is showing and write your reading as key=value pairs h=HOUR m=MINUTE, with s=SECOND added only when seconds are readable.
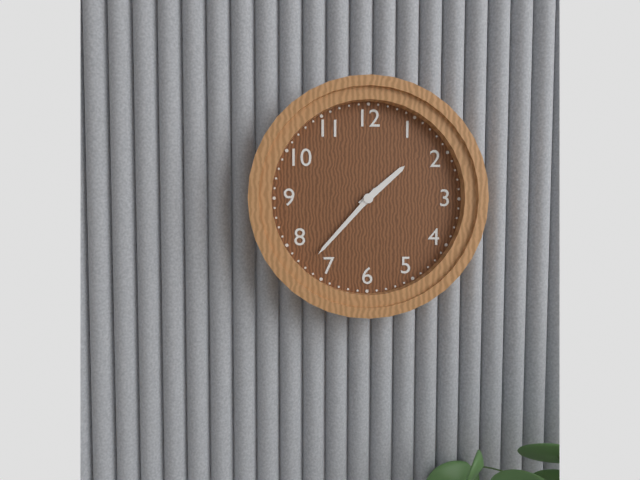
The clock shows h=1 m=37
